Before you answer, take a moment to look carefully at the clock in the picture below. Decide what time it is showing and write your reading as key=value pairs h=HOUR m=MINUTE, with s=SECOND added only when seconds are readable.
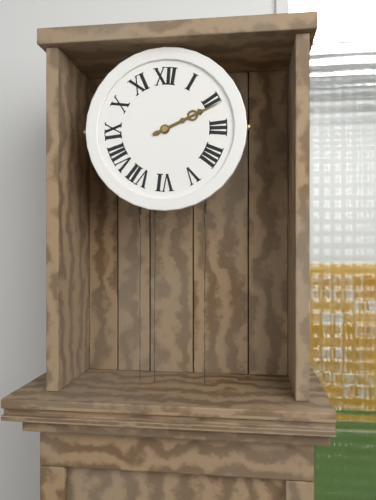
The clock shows h=2 m=11
